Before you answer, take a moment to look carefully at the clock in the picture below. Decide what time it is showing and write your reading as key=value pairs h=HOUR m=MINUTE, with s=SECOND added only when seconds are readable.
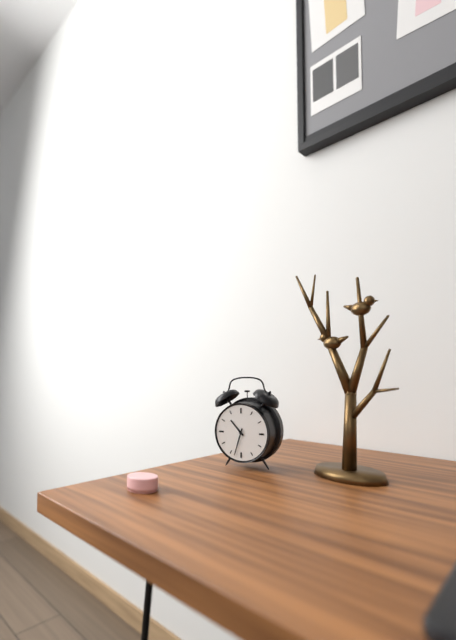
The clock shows h=10 m=33
